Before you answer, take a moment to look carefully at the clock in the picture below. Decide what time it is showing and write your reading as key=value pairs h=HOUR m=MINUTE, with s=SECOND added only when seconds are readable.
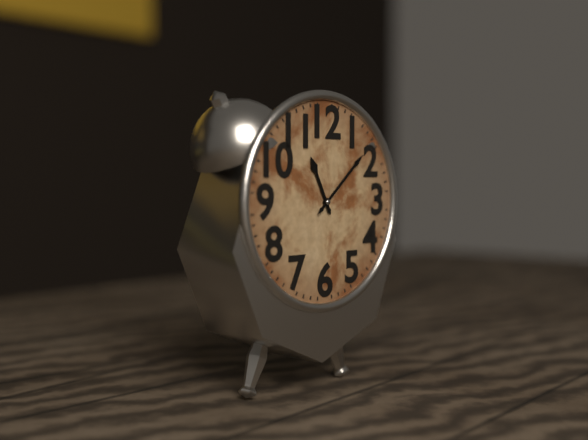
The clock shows h=11 m=8
